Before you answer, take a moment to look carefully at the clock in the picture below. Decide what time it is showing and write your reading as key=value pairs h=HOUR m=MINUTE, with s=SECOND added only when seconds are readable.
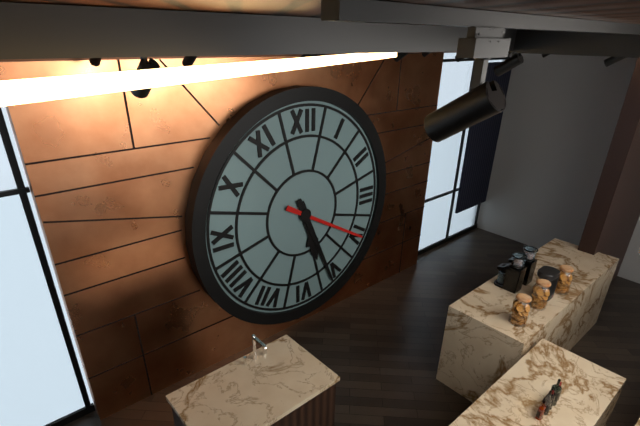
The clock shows h=5 m=26 s=20
